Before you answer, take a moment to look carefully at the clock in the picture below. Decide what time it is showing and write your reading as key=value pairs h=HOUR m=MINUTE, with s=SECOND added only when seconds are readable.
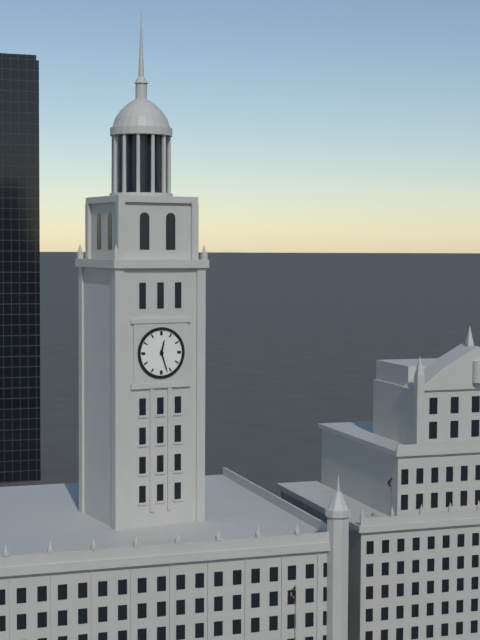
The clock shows h=12 m=27
